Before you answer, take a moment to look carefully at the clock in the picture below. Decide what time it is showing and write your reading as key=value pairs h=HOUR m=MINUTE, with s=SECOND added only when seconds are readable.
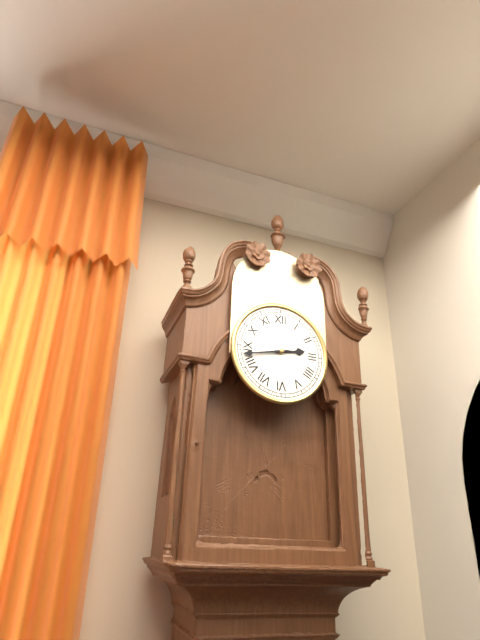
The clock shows h=2 m=43
